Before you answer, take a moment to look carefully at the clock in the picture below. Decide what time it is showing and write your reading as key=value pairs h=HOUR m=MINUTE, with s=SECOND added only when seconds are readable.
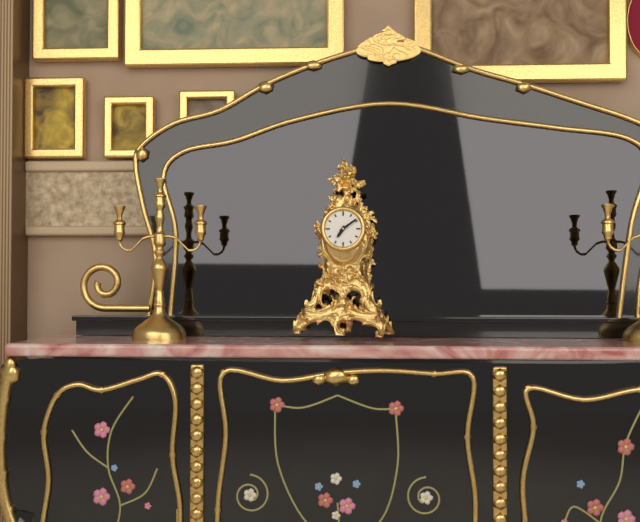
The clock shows h=7 m=9
